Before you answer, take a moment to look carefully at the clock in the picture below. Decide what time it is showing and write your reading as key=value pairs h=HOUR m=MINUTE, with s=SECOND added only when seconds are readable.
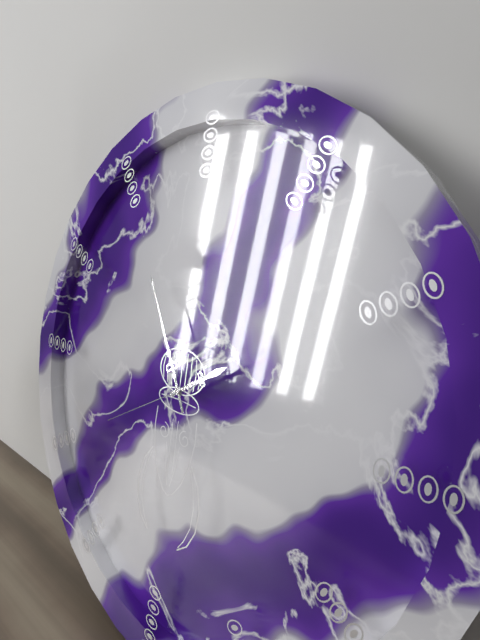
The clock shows h=1 m=55 s=40
